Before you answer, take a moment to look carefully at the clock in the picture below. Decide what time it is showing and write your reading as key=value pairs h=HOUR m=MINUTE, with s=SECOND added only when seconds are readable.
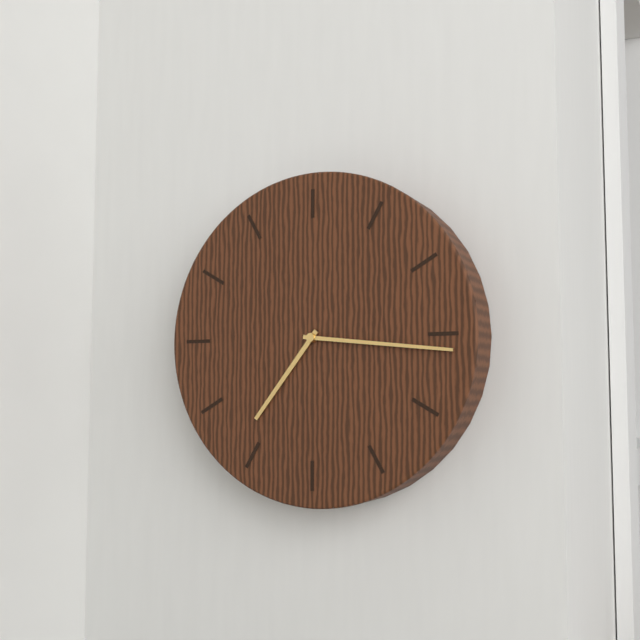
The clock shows h=7 m=16
